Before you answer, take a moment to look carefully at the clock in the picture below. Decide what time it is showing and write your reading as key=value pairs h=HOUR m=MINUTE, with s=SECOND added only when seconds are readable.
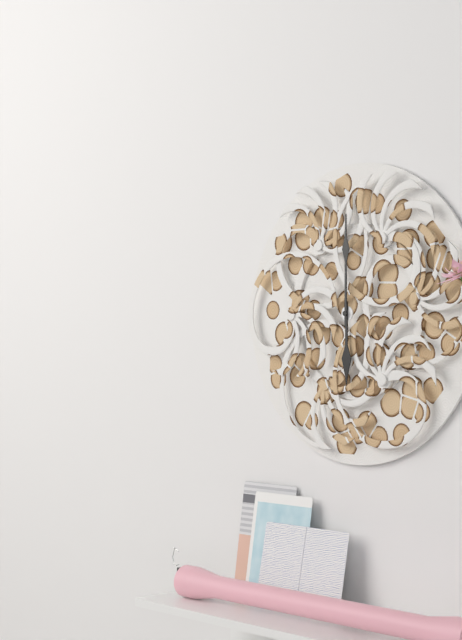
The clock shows h=6 m=0
